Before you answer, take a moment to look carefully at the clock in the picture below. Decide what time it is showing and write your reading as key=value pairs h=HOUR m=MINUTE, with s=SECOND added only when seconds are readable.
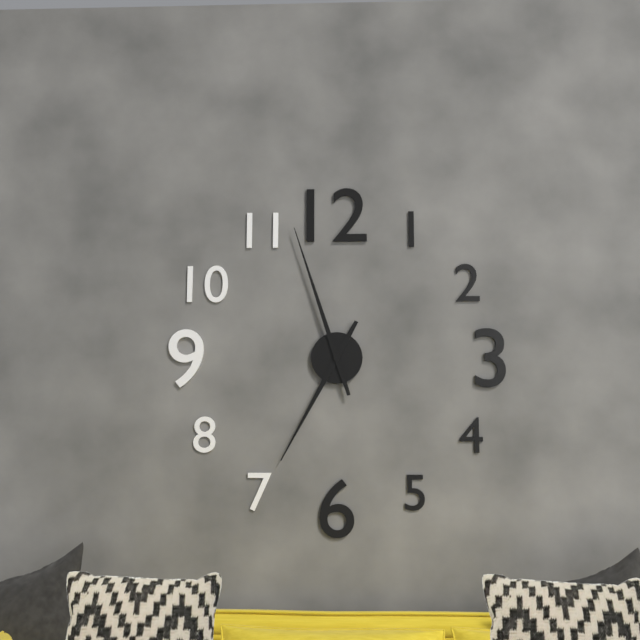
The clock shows h=6 m=57
